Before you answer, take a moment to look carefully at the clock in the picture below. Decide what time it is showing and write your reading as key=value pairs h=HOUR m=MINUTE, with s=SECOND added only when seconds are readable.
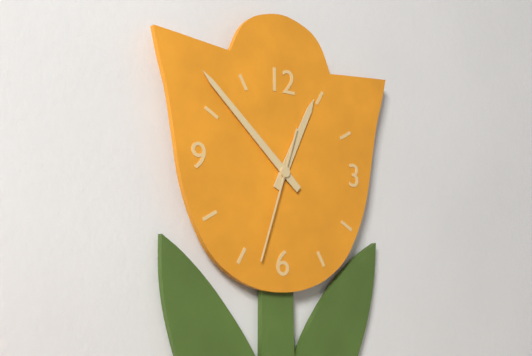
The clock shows h=12 m=52 s=33
